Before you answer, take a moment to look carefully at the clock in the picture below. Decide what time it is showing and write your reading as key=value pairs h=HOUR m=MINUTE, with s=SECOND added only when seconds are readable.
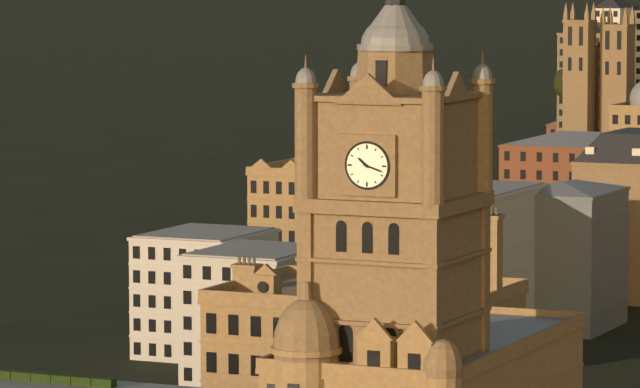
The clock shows h=10 m=18
